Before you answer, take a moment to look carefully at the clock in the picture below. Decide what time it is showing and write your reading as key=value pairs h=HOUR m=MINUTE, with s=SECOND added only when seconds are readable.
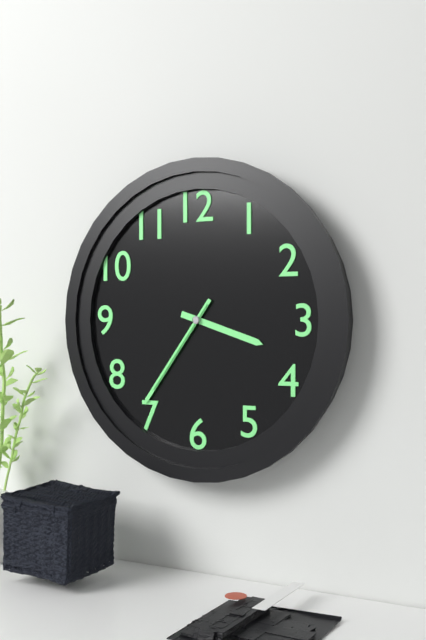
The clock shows h=3 m=36 s=36
